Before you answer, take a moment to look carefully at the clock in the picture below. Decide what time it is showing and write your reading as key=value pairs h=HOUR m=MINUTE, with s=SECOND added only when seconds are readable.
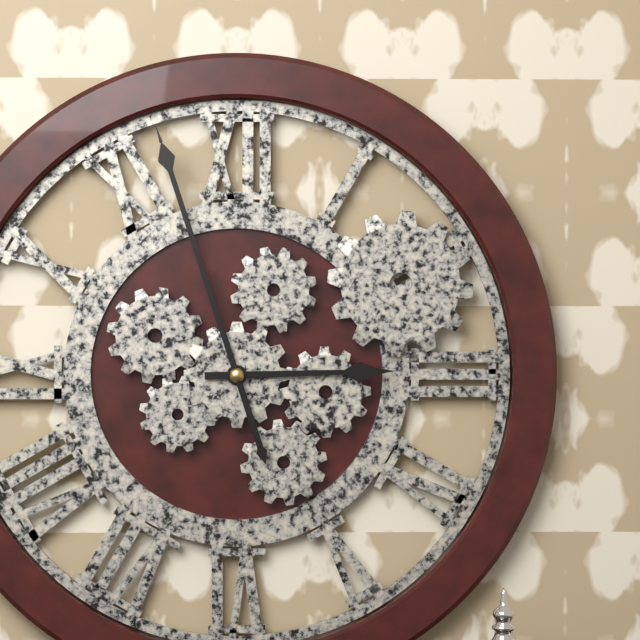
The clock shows h=2 m=57
